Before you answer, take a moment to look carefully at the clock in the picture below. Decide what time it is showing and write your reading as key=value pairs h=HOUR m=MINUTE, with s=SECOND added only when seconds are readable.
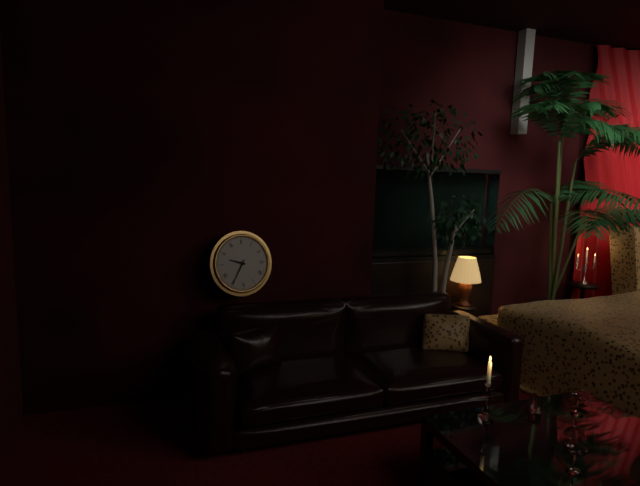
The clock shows h=9 m=35
